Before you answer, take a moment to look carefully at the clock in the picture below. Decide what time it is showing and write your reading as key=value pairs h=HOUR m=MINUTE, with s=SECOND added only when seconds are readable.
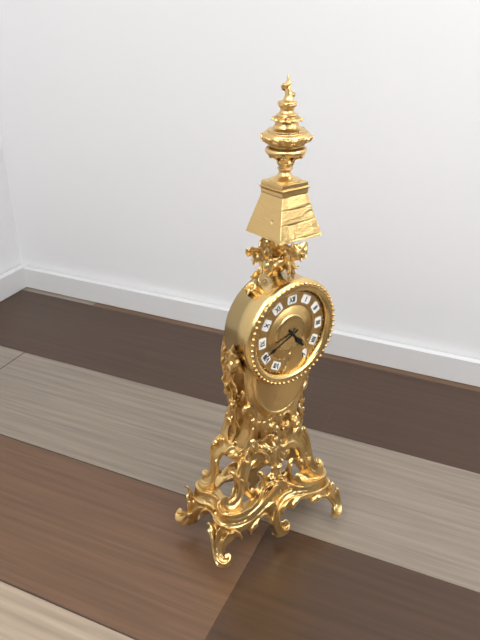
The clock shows h=4 m=41
